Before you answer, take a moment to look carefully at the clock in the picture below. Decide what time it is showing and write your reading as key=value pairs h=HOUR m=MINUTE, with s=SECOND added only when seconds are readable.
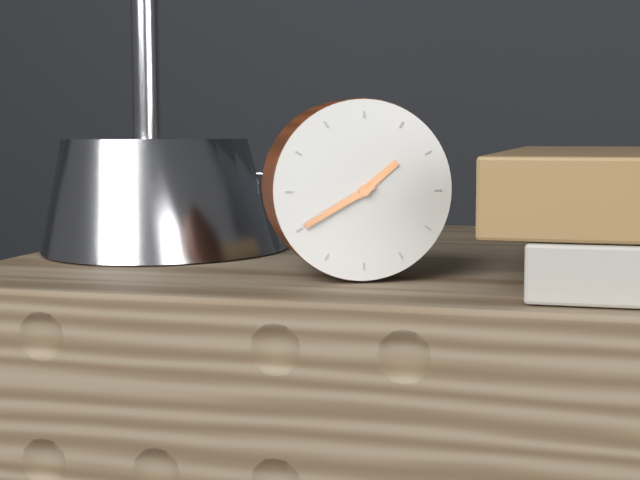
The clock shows h=1 m=40
